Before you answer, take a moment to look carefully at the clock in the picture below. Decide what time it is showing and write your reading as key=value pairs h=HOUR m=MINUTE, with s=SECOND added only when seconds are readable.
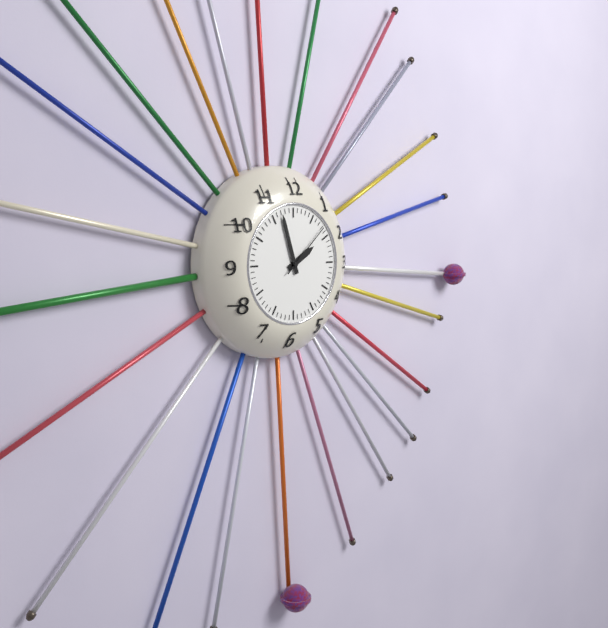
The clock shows h=1 m=57 s=8
